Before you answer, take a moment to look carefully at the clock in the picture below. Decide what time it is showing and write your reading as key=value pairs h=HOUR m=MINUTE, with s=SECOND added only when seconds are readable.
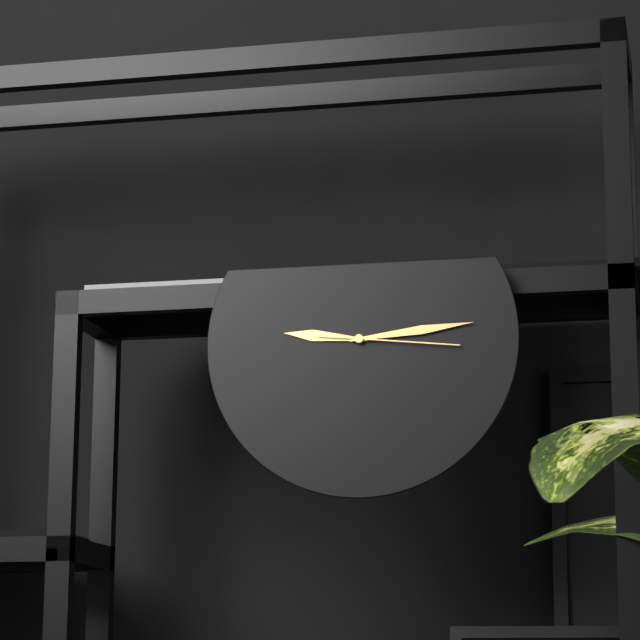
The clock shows h=9 m=14 s=16
